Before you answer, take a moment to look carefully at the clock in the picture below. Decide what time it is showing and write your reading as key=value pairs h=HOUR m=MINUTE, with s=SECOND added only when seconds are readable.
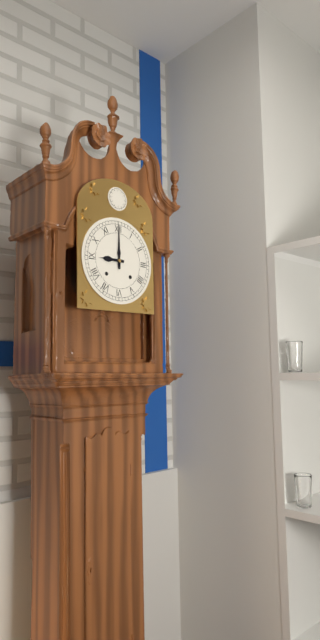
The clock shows h=9 m=0
